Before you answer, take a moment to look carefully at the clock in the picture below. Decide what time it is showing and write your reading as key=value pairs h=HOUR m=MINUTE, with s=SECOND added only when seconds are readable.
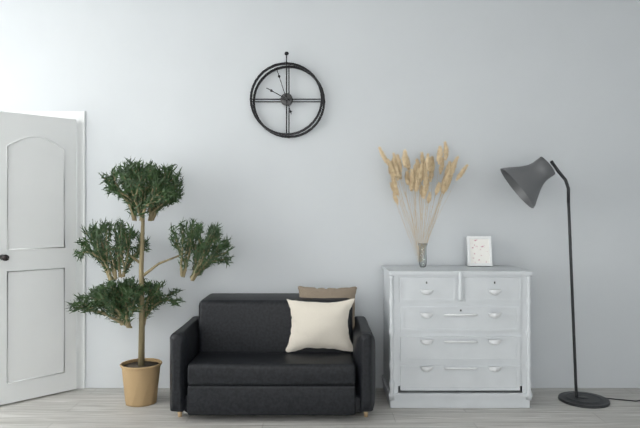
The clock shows h=9 m=57
